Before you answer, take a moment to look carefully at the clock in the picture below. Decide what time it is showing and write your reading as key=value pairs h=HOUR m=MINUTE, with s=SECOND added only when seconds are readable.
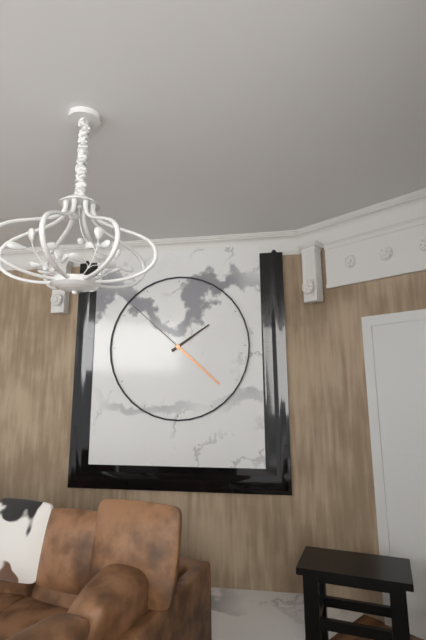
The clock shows h=1 m=52
